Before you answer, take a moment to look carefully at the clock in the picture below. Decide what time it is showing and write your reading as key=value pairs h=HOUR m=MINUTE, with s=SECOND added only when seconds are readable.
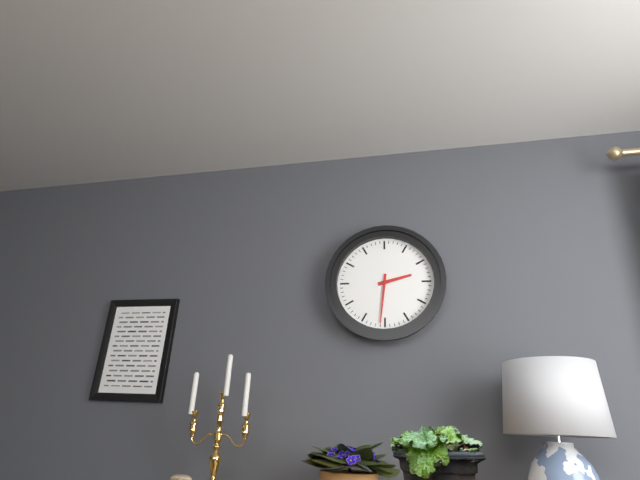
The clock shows h=2 m=31
